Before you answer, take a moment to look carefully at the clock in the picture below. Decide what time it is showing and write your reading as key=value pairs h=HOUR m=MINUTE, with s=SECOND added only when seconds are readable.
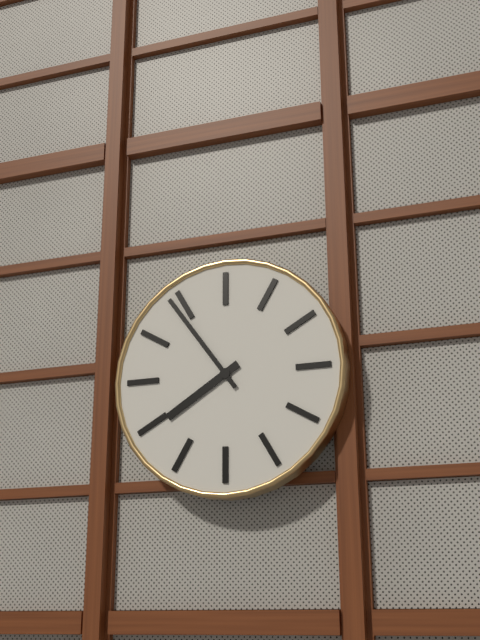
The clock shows h=7 m=54
